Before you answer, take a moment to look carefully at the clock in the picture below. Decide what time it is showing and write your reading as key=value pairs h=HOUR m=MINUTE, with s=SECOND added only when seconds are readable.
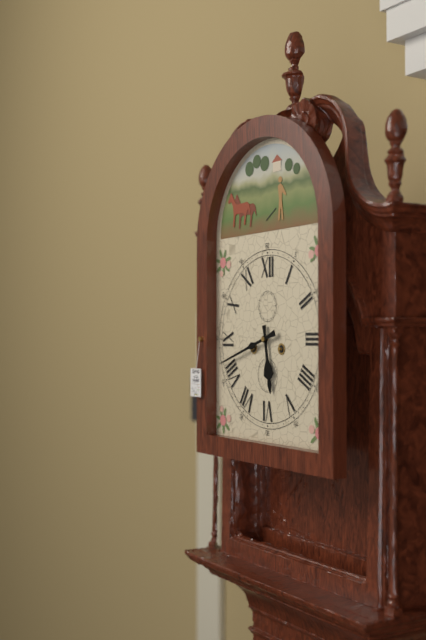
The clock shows h=5 m=42
